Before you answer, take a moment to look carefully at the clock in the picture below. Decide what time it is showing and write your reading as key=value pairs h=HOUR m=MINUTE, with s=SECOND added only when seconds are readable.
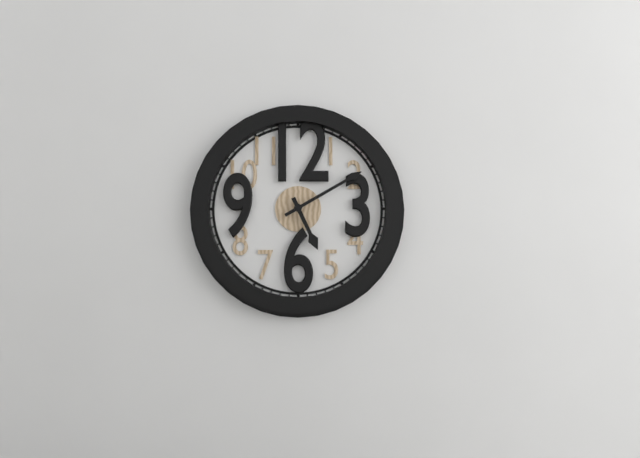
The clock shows h=5 m=10
